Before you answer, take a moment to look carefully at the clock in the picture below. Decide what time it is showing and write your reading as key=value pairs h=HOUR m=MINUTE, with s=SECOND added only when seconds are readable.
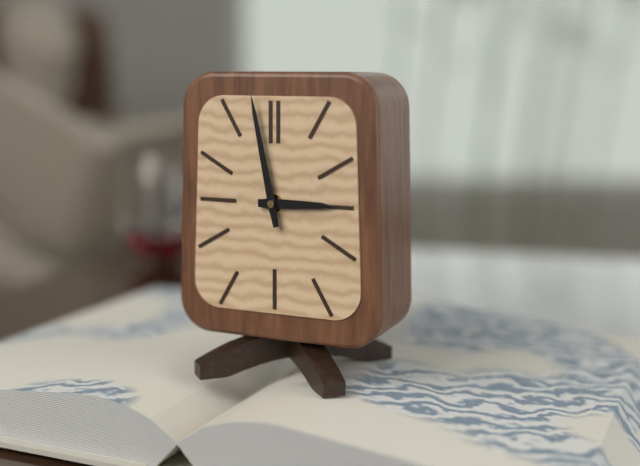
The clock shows h=2 m=58
